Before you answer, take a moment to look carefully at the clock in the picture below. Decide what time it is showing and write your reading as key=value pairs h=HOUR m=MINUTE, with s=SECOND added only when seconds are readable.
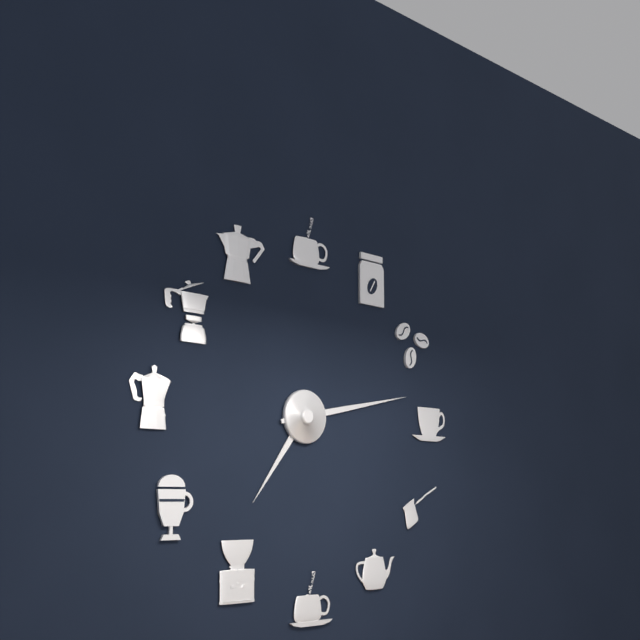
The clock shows h=7 m=13
